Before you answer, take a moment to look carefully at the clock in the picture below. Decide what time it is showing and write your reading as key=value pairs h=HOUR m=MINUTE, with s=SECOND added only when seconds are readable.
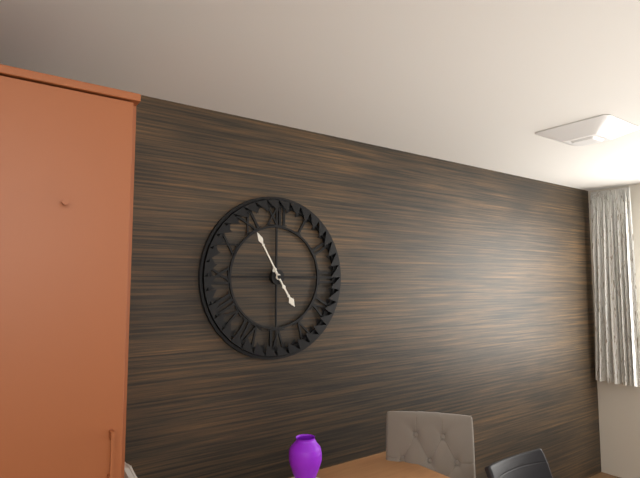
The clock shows h=4 m=55
